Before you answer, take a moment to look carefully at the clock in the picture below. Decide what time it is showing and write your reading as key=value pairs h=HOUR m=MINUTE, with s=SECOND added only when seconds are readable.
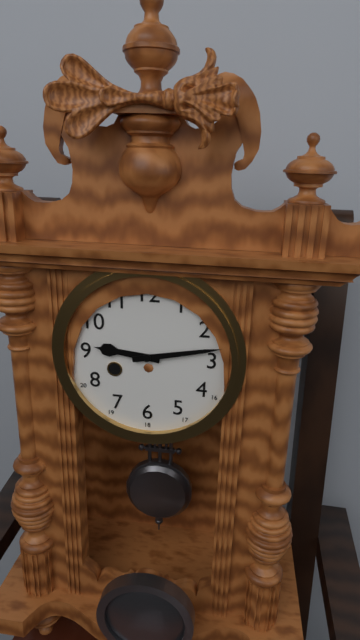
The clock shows h=9 m=13
